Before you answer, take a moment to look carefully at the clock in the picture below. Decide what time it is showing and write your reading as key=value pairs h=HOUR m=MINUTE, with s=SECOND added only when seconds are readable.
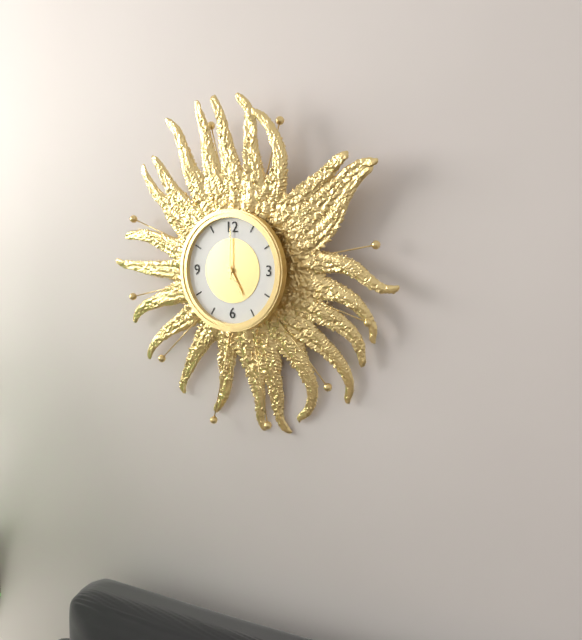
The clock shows h=5 m=0
